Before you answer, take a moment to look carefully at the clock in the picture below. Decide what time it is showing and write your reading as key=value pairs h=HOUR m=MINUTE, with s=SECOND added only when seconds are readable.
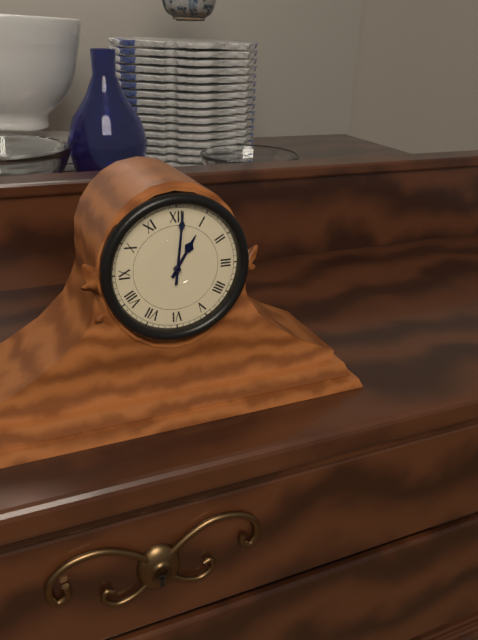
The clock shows h=1 m=1
